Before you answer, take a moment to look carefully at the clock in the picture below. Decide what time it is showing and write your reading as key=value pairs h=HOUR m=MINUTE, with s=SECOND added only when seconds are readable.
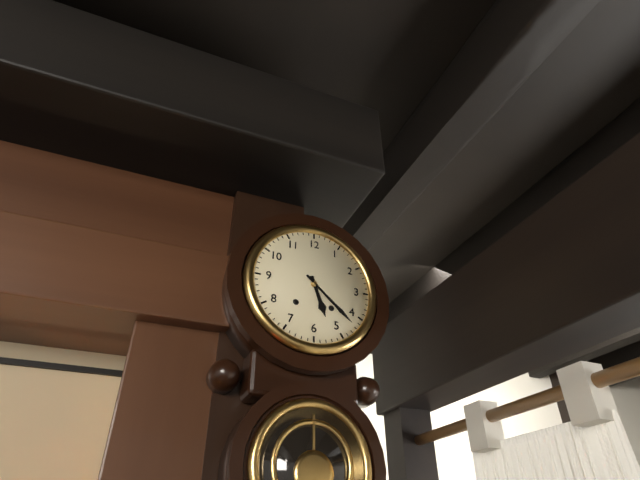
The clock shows h=5 m=22
